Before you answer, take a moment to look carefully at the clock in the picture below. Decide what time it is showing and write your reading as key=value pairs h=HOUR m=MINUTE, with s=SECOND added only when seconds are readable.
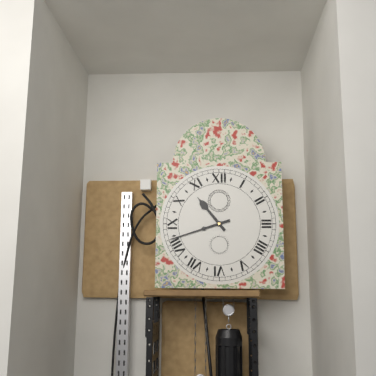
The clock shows h=10 m=42
